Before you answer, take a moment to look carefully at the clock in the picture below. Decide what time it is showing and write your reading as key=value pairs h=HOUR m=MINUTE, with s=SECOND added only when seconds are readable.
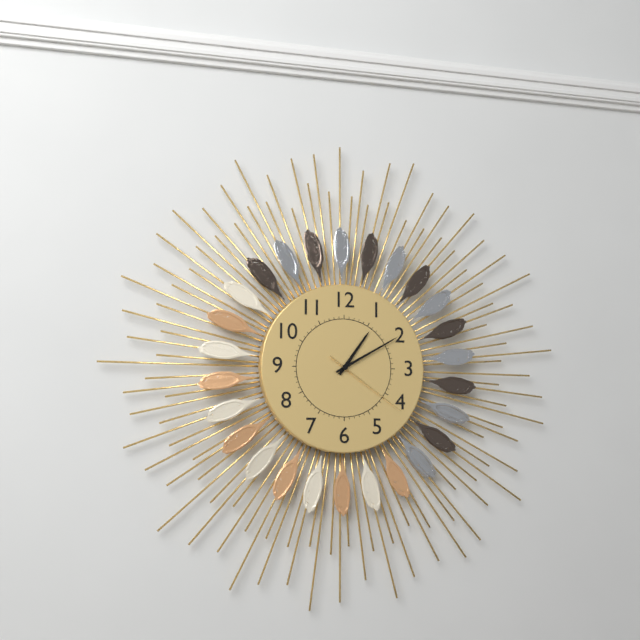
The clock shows h=1 m=10 s=21
